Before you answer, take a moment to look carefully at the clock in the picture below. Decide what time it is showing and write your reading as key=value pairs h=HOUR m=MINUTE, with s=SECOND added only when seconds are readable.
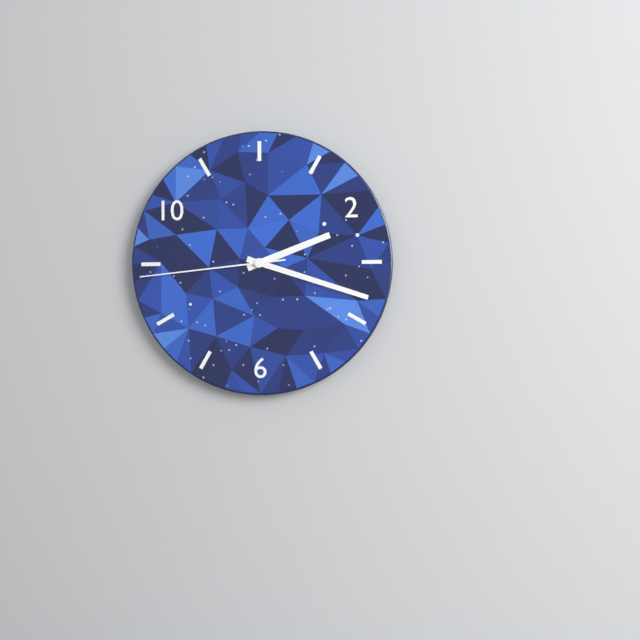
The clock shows h=2 m=18 s=44
